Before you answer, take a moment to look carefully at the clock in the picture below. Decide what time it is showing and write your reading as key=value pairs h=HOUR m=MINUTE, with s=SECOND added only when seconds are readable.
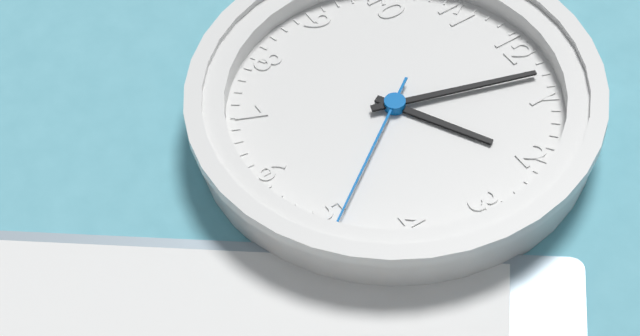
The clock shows h=2 m=3 s=24
